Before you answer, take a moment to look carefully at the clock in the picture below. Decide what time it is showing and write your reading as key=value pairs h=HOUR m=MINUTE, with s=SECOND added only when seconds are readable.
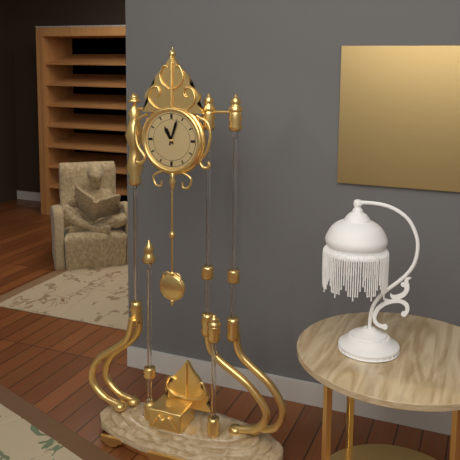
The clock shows h=11 m=3
